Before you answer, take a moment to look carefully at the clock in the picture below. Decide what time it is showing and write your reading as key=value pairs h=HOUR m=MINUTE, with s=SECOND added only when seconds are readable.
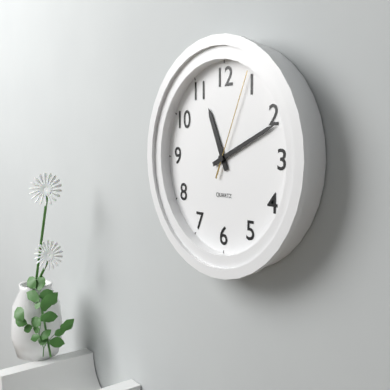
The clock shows h=11 m=11 s=4
